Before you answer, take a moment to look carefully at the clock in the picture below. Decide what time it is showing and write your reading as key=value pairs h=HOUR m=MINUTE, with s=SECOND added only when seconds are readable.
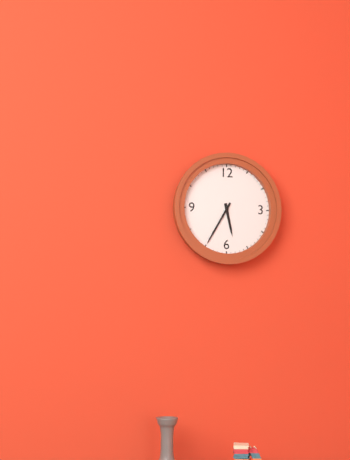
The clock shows h=5 m=35
